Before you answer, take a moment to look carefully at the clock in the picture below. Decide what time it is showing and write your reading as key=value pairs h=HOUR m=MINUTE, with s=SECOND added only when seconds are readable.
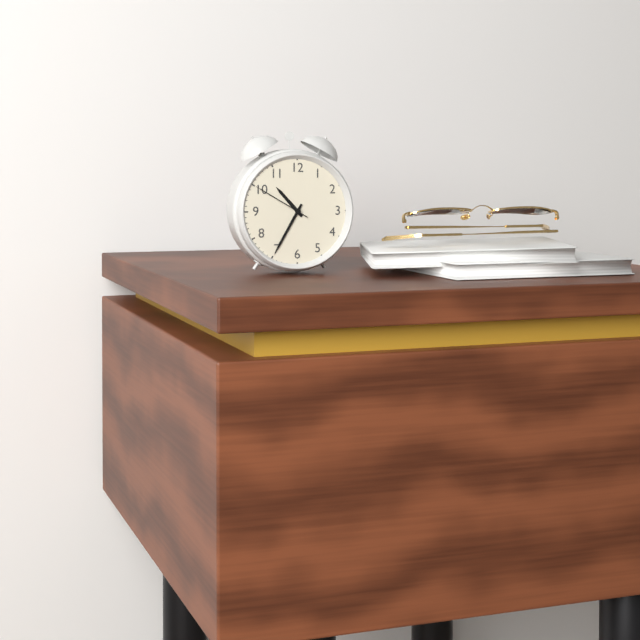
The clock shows h=10 m=35 s=50
